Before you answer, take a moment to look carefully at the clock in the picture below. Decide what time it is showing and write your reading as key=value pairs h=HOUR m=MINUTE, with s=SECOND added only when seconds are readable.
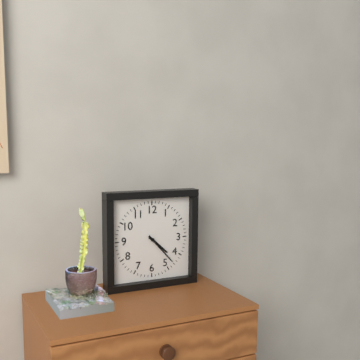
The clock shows h=4 m=23
